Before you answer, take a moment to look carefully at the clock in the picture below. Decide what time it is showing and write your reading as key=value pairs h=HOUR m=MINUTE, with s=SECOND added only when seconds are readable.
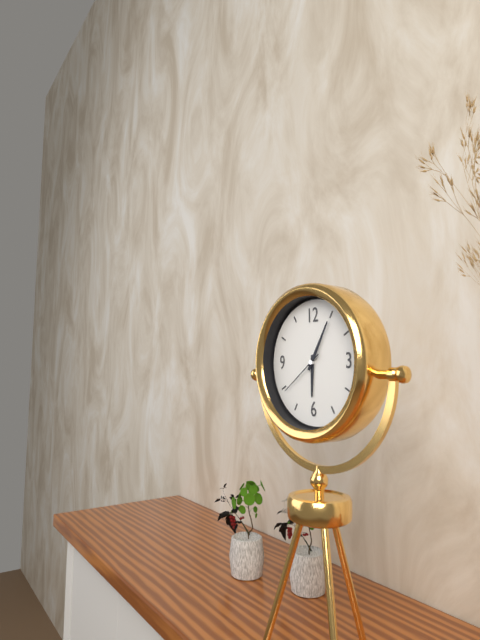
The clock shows h=6 m=5
